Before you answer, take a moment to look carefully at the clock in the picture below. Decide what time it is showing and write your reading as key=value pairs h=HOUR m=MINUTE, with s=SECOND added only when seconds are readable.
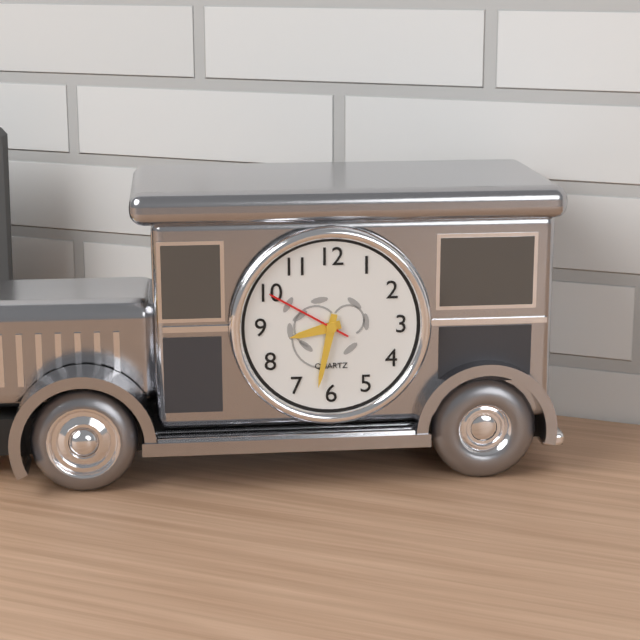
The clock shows h=8 m=32 s=50
